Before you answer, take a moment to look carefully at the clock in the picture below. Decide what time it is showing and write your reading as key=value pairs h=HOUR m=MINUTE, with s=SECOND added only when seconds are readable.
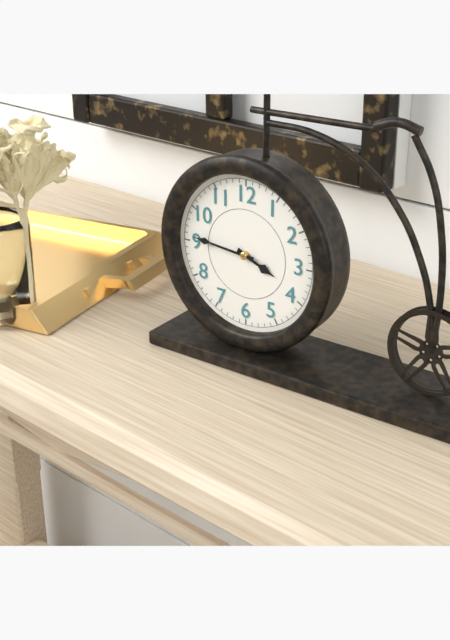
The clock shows h=3 m=46
